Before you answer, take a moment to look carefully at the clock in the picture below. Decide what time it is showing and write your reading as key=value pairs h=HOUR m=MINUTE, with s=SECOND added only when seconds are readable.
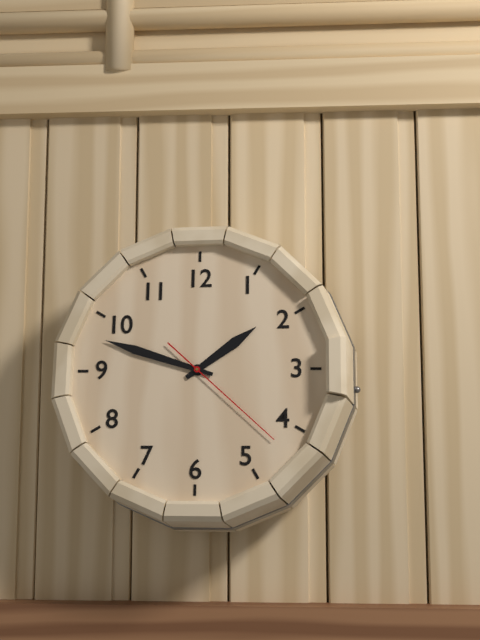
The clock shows h=1 m=48 s=22
